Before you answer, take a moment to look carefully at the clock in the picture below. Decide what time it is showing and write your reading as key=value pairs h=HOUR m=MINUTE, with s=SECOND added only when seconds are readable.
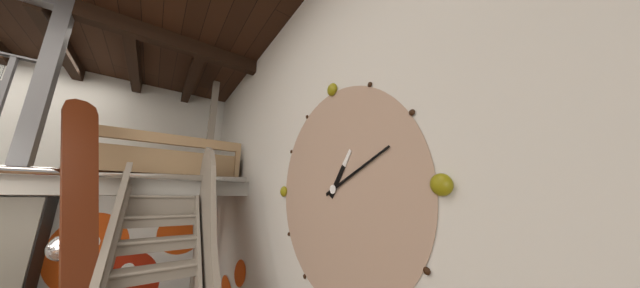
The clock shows h=1 m=11
